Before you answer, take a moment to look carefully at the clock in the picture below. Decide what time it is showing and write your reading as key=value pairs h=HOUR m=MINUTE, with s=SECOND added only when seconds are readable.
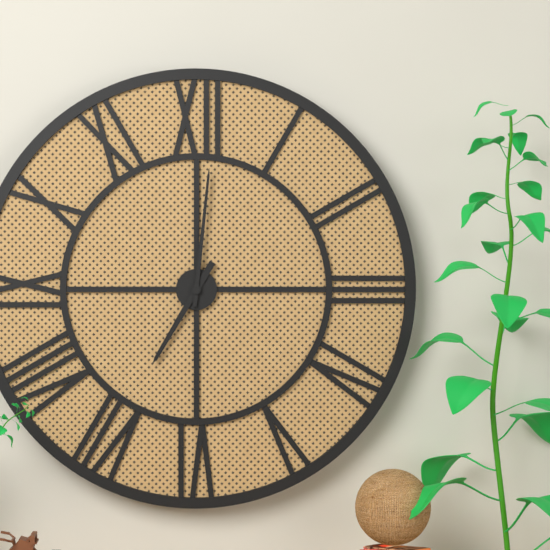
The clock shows h=7 m=1
